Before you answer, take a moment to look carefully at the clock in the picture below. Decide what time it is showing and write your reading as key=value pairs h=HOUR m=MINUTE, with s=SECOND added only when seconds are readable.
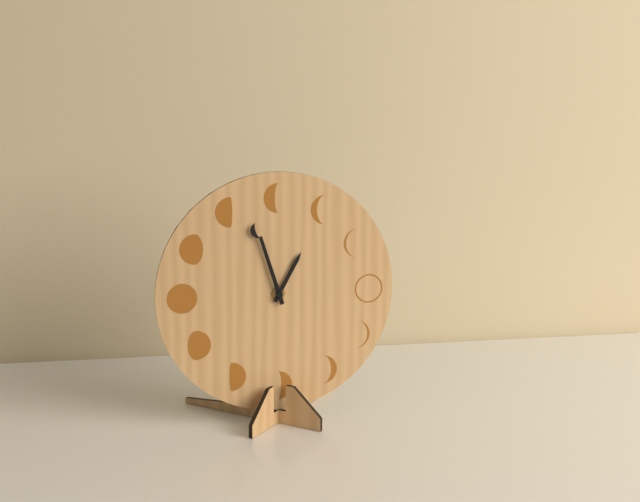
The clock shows h=12 m=57
